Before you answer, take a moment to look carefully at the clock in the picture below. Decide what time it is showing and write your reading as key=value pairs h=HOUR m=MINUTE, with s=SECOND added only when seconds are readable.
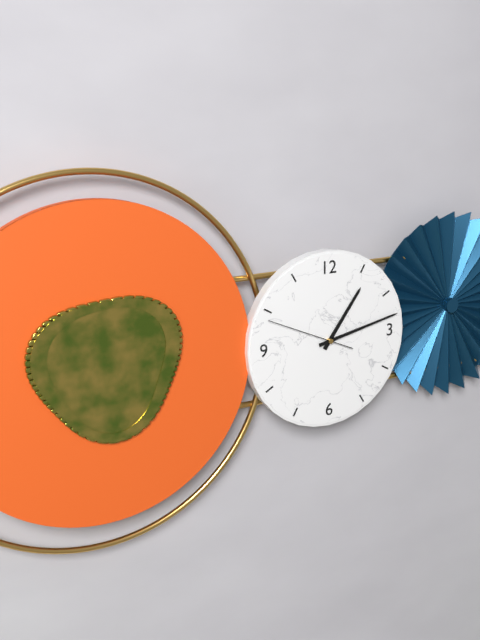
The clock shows h=1 m=13 s=49
